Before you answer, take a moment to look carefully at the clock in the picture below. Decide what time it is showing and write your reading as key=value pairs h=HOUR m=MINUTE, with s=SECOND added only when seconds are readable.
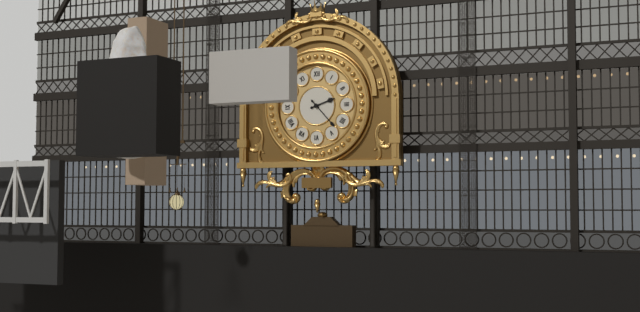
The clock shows h=2 m=23
